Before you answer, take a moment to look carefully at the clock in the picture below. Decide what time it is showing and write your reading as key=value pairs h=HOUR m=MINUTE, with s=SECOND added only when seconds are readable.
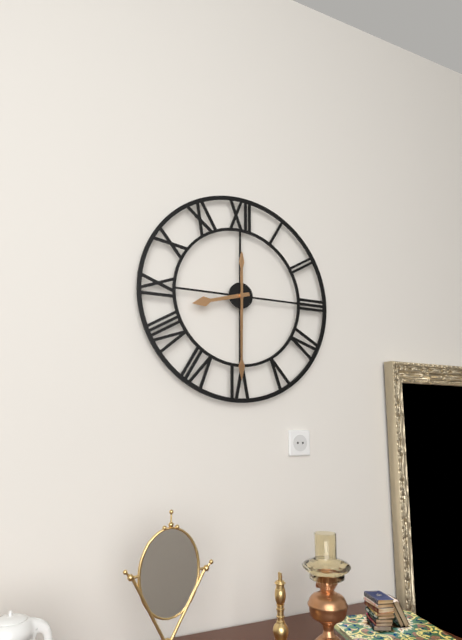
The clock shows h=8 m=30
